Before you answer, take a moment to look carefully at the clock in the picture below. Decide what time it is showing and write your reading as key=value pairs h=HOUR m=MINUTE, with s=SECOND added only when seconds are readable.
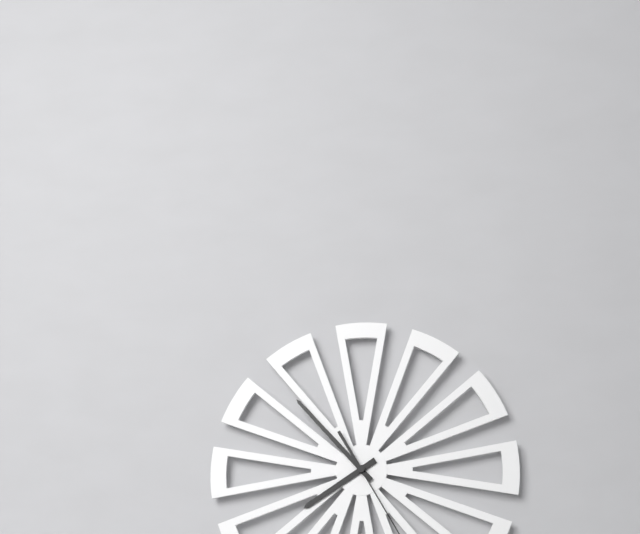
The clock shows h=7 m=53
